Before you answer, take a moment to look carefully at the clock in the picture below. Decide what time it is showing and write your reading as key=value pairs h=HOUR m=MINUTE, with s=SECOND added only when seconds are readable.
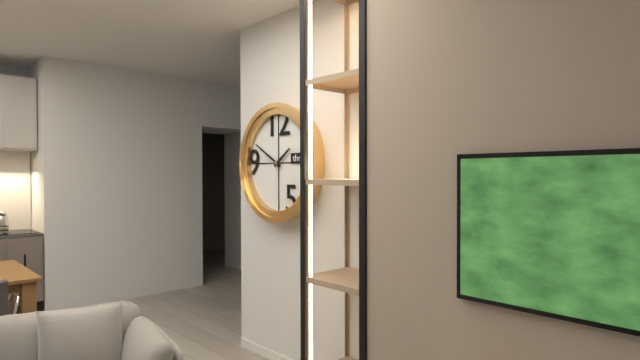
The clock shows h=1 m=50
